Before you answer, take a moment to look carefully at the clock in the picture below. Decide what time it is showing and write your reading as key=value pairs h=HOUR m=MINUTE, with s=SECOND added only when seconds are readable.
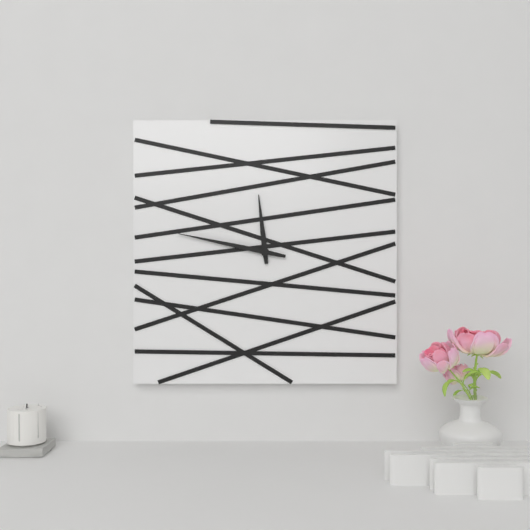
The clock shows h=11 m=47
